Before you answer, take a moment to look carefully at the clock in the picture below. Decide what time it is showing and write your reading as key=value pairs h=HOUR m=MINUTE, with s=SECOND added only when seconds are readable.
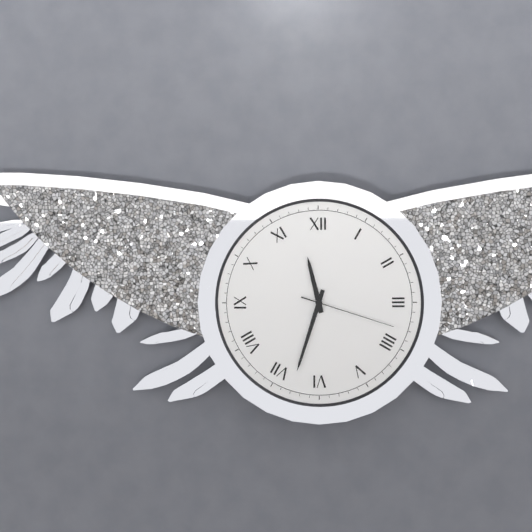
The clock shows h=11 m=33 s=18
